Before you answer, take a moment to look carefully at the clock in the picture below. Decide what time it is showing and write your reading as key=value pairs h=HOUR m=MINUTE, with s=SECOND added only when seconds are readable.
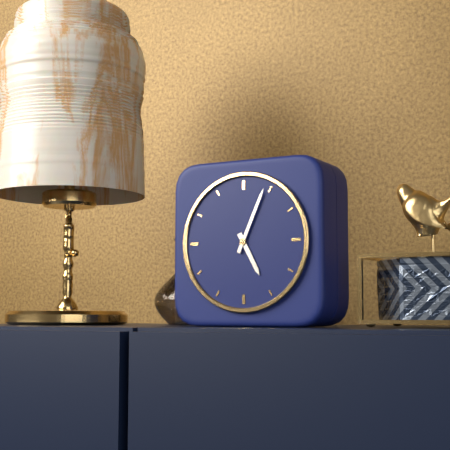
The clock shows h=5 m=4
